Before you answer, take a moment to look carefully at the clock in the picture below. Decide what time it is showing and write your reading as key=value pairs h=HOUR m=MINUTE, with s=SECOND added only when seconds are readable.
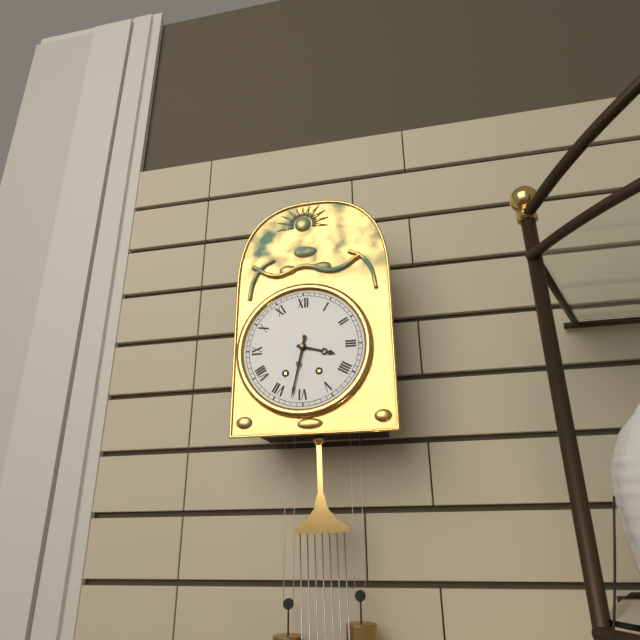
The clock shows h=3 m=32
